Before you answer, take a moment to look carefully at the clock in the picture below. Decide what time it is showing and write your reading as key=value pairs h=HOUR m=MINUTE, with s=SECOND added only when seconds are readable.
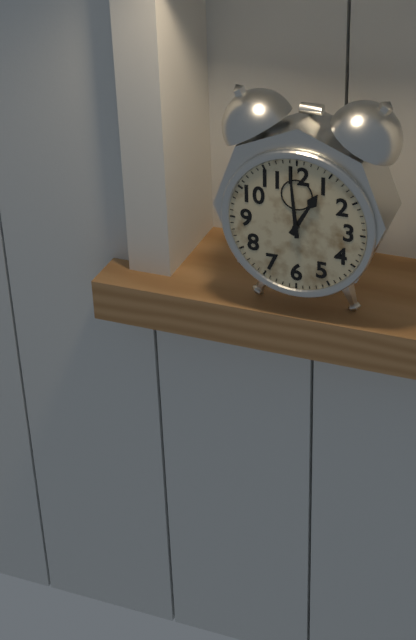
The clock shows h=12 m=59
